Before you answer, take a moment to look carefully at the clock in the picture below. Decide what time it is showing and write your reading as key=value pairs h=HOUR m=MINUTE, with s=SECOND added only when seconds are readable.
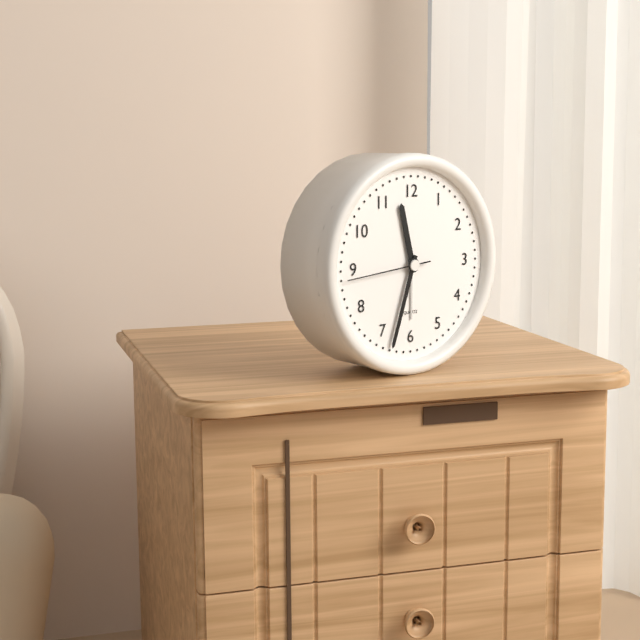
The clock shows h=11 m=33 s=44
